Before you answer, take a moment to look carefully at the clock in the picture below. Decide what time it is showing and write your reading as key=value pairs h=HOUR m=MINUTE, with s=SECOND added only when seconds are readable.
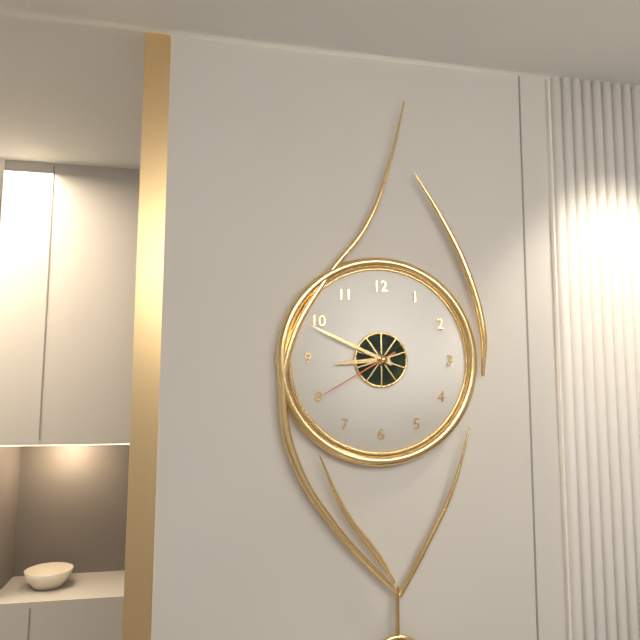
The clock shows h=8 m=49 s=40
